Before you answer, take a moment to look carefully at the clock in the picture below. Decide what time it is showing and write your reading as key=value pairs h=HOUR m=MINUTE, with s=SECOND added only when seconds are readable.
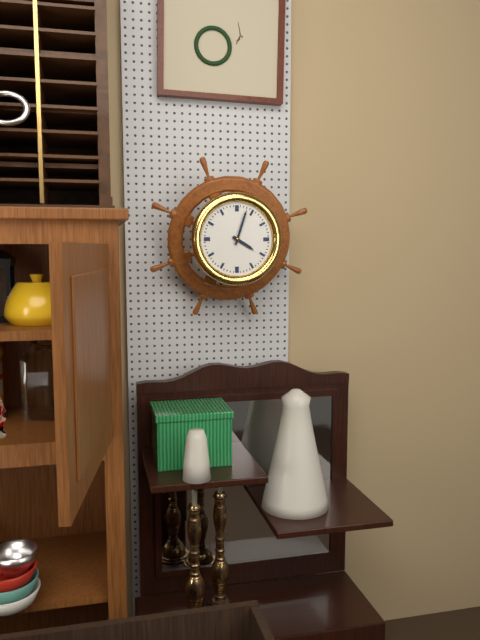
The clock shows h=4 m=3
